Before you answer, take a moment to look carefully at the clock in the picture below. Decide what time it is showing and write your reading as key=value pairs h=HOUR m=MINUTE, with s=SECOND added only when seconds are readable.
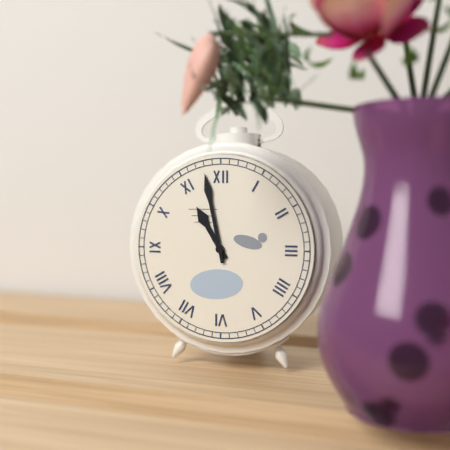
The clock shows h=10 m=58
